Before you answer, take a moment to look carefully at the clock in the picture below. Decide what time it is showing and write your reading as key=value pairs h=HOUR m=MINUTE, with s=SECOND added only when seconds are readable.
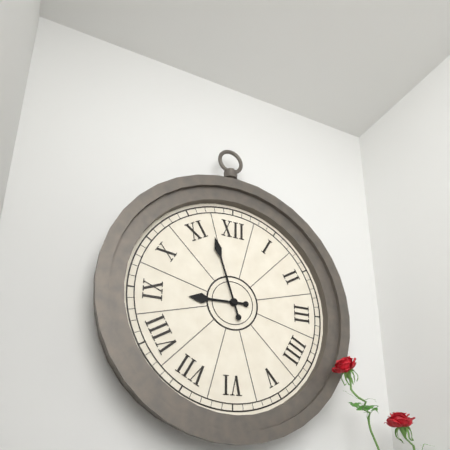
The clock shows h=8 m=57
